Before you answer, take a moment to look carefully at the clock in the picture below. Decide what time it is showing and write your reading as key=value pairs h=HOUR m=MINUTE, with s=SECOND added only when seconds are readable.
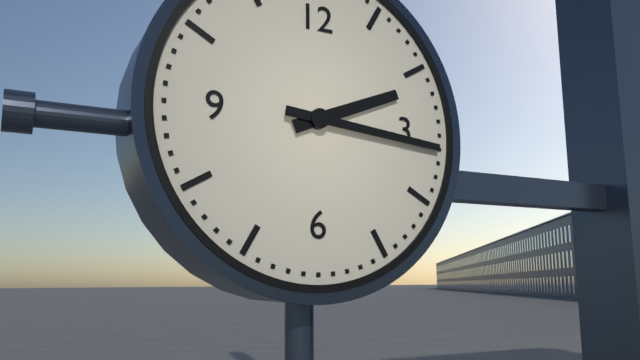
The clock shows h=2 m=16
